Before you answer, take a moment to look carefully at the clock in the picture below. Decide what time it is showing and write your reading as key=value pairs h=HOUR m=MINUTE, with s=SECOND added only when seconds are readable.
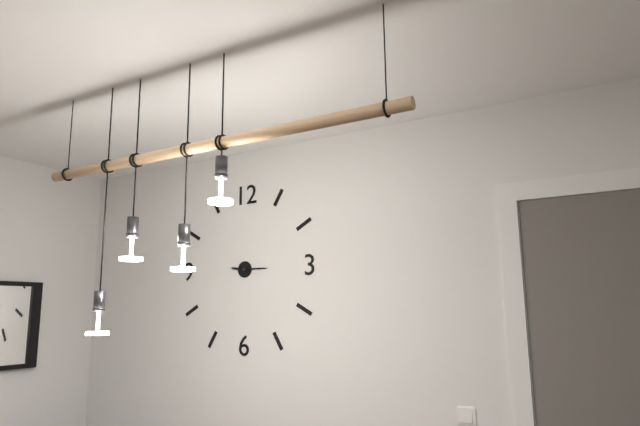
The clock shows h=9 m=15
